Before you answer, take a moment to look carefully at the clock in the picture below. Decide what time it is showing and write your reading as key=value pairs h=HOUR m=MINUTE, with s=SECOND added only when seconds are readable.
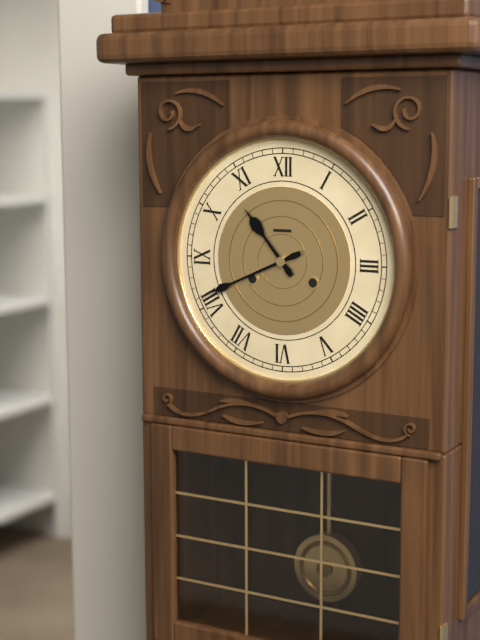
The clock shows h=10 m=41
